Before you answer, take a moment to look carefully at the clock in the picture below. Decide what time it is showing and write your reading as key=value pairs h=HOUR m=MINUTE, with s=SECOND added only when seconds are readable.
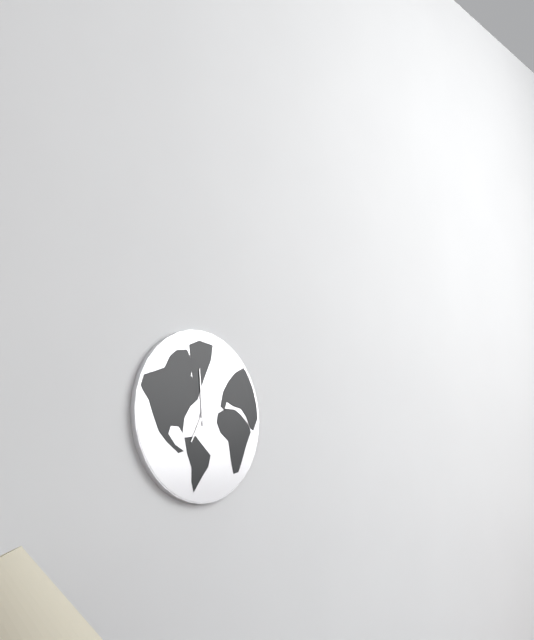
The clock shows h=6 m=59
